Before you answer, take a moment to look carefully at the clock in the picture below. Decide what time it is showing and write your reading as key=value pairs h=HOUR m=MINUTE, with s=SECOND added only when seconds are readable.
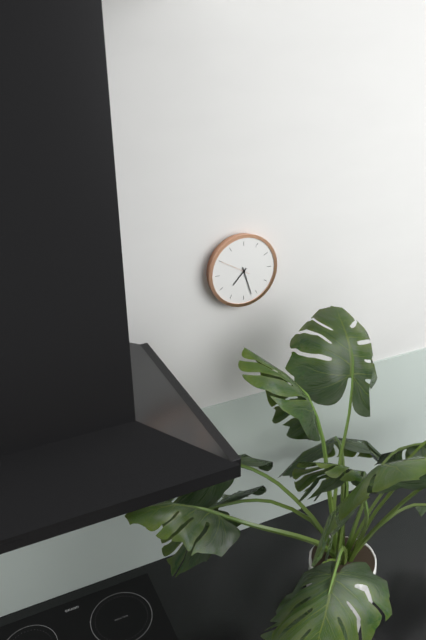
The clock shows h=7 m=27
